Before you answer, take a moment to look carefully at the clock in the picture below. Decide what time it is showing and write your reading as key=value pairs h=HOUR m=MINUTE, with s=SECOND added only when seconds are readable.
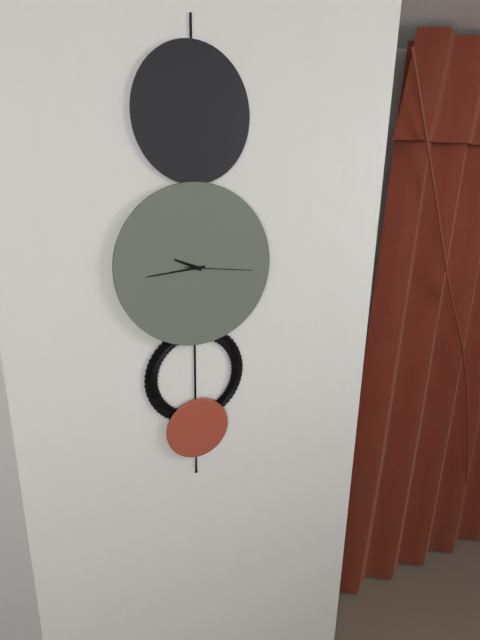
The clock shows h=9 m=44 s=16
